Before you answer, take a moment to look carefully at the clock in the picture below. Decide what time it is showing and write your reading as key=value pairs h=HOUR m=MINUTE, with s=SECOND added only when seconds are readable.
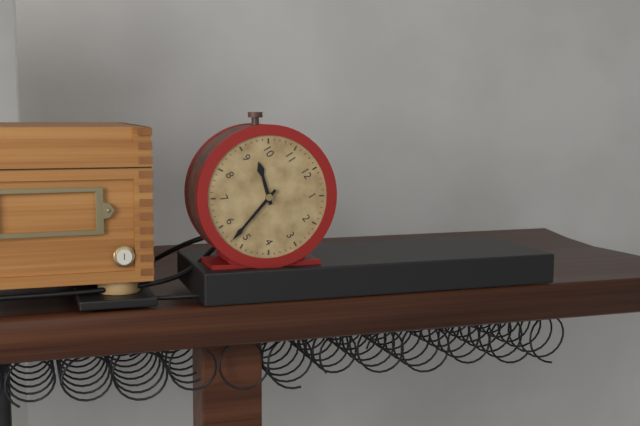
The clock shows h=9 m=27
